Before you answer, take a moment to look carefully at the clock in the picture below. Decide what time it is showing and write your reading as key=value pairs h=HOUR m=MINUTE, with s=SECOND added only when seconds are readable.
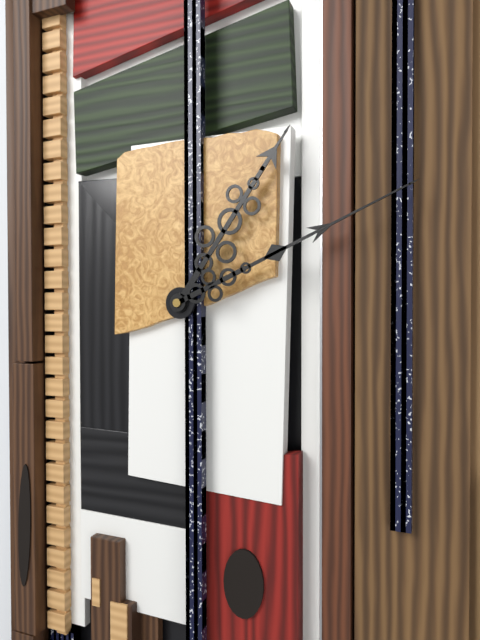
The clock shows h=1 m=11
